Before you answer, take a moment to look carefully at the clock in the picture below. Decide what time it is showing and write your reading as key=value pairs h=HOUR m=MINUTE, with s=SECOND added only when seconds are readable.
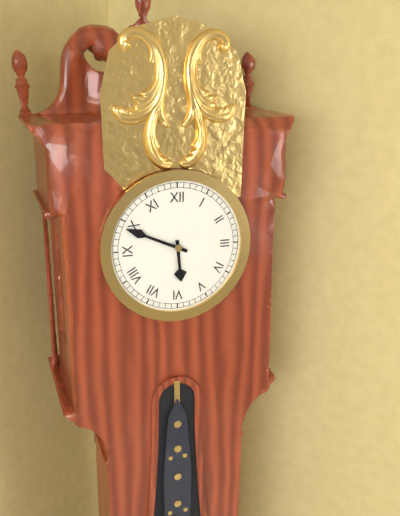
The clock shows h=5 m=49
